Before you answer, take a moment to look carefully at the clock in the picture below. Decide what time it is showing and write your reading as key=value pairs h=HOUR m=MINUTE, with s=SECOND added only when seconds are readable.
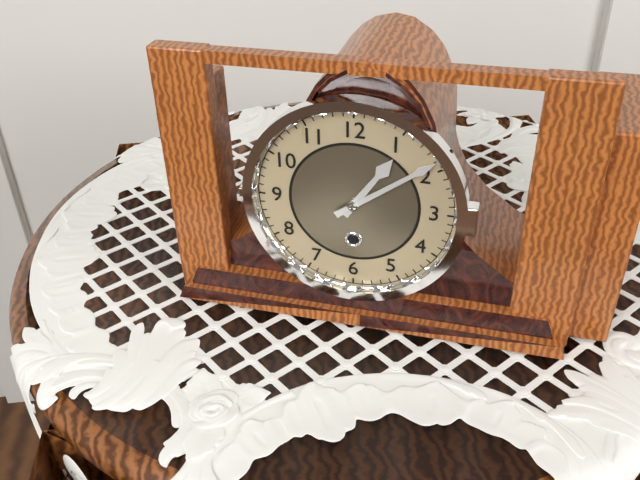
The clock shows h=1 m=9
